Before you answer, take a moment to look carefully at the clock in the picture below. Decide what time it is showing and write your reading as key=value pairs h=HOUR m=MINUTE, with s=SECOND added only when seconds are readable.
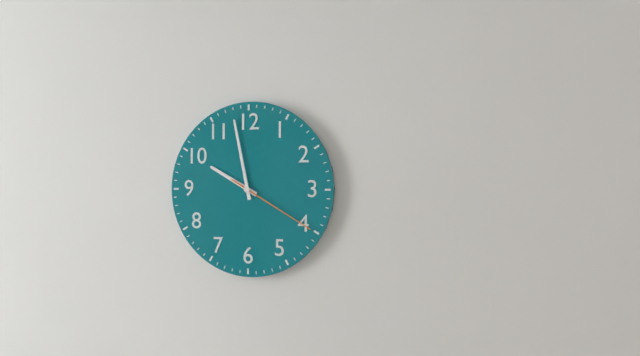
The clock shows h=9 m=58 s=20
